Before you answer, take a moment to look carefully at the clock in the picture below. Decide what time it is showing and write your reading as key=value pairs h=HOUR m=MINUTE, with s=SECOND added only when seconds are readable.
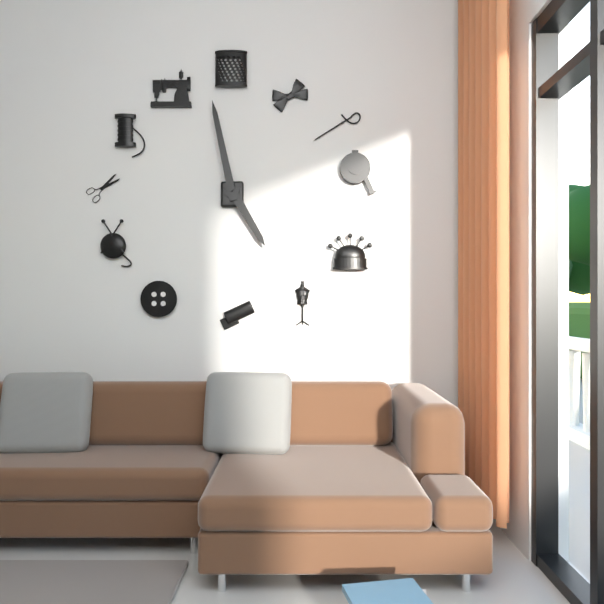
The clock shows h=4 m=58
